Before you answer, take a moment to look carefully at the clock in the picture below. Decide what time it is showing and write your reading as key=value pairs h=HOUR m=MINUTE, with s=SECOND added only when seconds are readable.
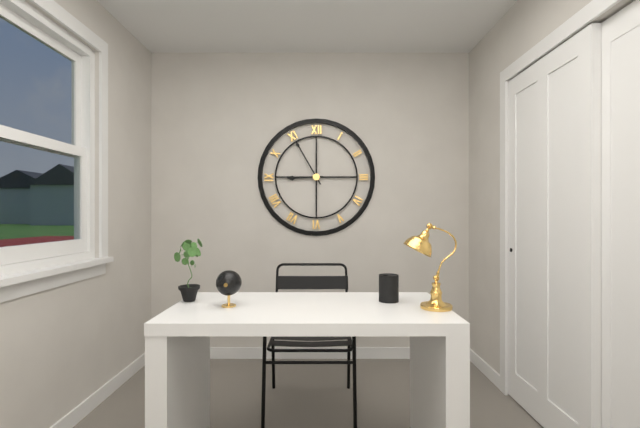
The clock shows h=8 m=55
